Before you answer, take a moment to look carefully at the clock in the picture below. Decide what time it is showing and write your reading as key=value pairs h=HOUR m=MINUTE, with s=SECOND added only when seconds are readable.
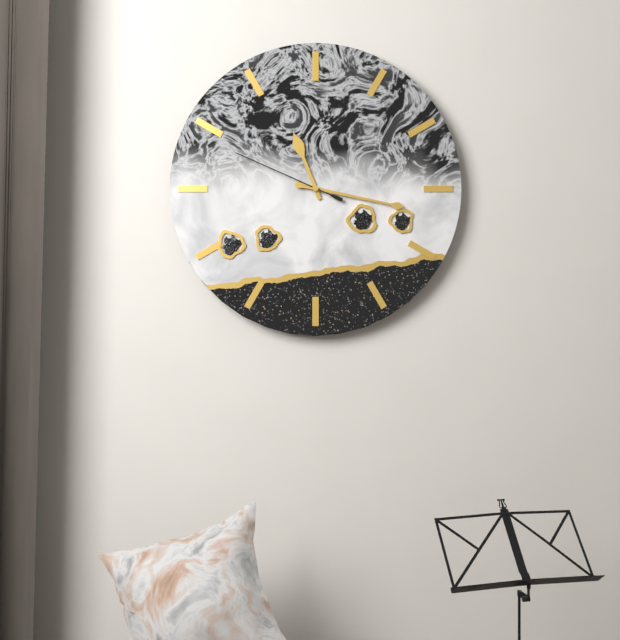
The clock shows h=11 m=17 s=49
